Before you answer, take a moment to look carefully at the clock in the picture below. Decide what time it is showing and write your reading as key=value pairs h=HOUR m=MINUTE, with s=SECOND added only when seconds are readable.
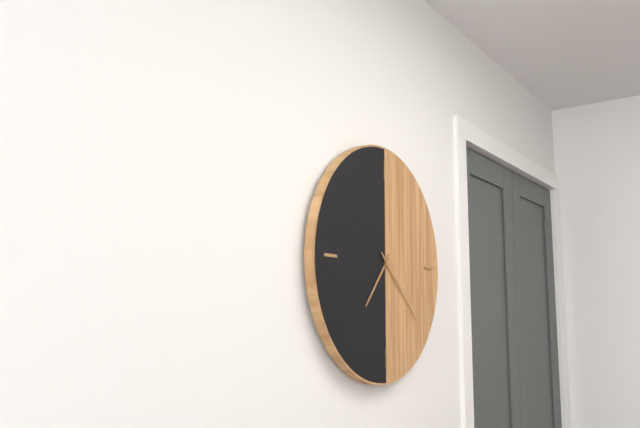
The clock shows h=7 m=22
